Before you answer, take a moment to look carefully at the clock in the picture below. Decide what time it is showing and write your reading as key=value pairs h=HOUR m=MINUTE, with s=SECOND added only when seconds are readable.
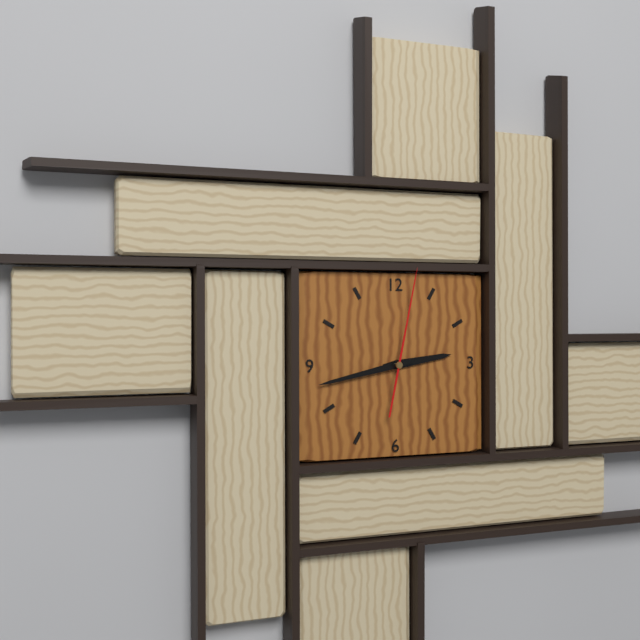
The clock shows h=2 m=43 s=2
